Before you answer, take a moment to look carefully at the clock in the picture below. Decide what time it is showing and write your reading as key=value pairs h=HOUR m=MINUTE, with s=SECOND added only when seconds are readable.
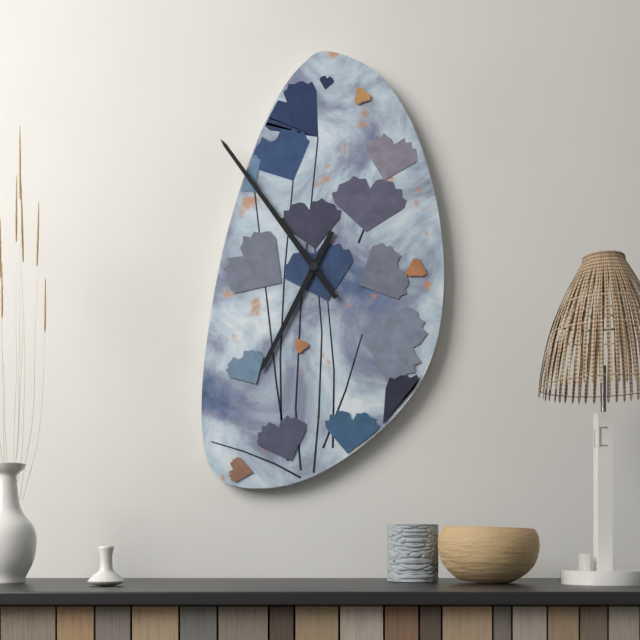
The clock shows h=6 m=54
